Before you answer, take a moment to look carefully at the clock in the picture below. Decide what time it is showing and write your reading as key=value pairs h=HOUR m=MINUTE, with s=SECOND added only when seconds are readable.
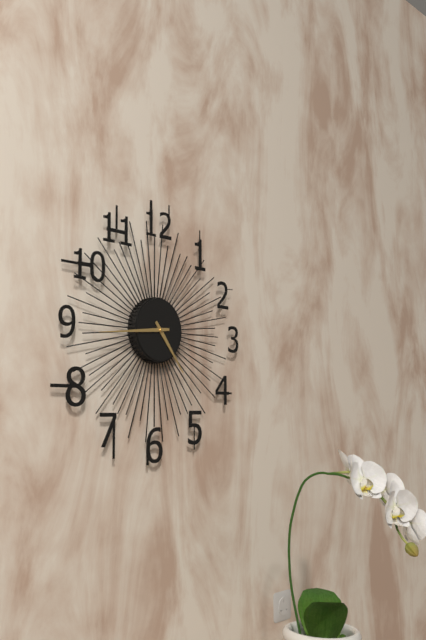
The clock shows h=4 m=44
